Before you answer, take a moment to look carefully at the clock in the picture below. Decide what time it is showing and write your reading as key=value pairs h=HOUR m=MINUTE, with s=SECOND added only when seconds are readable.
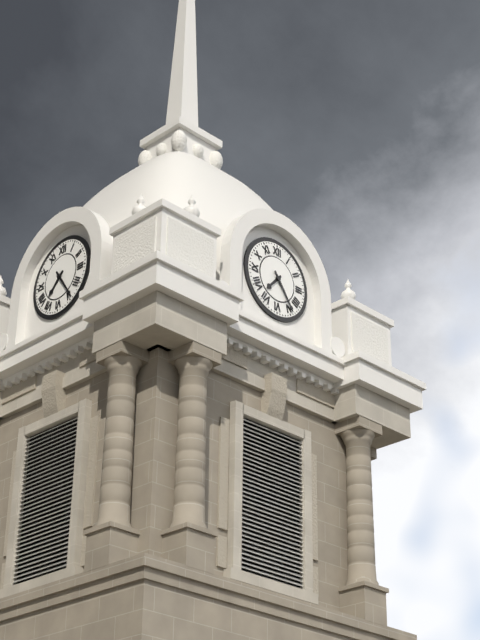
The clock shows h=7 m=24
